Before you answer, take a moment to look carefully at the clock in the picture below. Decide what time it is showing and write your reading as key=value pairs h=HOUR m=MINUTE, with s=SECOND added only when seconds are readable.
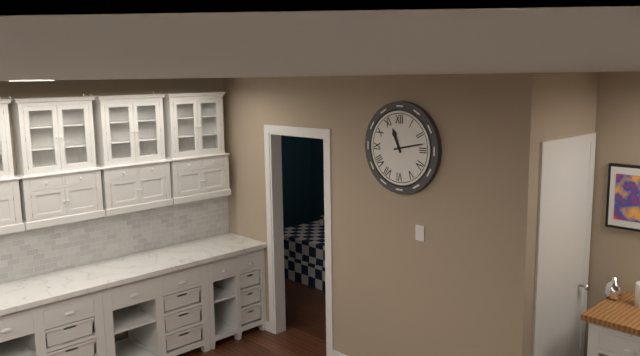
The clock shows h=11 m=13
